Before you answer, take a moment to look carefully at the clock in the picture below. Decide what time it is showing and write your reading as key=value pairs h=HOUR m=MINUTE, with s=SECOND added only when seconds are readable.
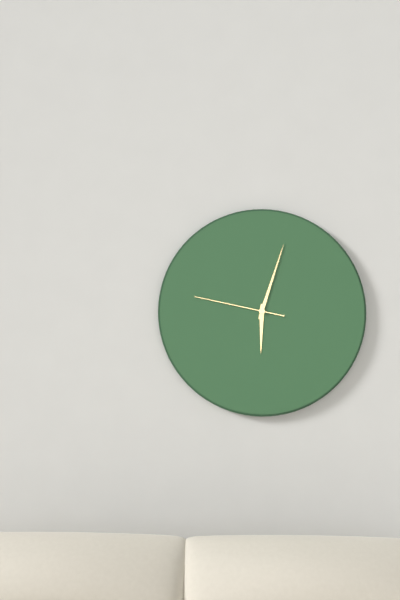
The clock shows h=6 m=3 s=47
